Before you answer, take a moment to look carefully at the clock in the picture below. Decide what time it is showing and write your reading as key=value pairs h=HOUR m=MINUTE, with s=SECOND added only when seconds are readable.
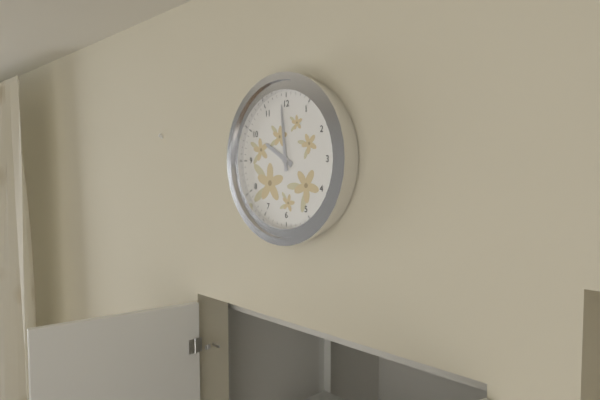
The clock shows h=9 m=59
